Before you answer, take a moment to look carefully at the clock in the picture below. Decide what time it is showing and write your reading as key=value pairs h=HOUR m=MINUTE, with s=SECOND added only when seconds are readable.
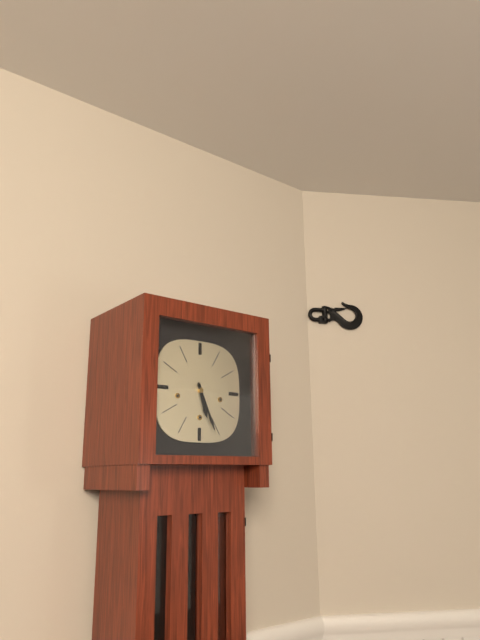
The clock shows h=5 m=26
